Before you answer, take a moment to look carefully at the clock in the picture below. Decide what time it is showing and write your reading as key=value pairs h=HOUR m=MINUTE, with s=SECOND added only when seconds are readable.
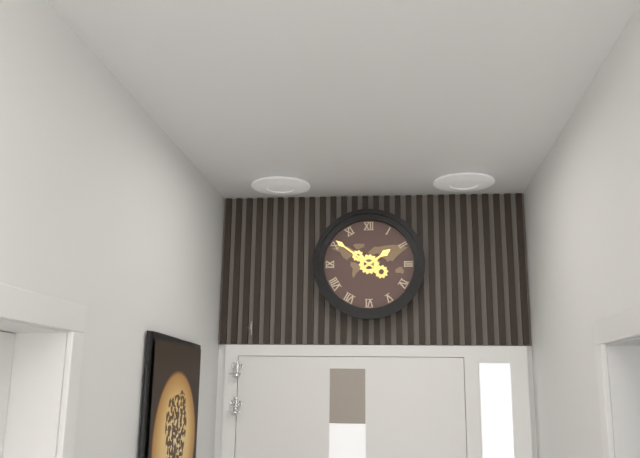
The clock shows h=1 m=51
